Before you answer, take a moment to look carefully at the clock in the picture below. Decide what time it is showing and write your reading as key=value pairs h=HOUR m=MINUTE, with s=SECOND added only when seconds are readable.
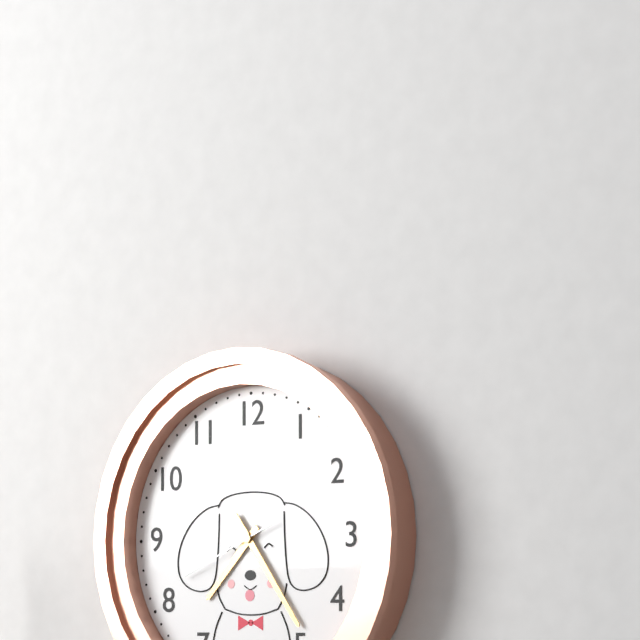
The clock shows h=7 m=24 s=41
